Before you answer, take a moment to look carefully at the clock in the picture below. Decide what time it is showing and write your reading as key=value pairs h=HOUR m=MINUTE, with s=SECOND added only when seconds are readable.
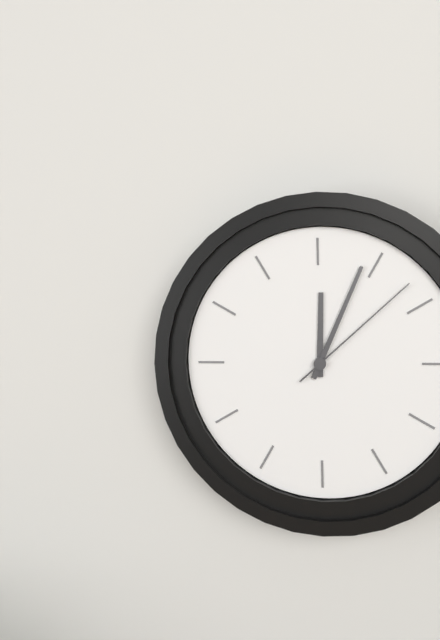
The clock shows h=12 m=4 s=8
